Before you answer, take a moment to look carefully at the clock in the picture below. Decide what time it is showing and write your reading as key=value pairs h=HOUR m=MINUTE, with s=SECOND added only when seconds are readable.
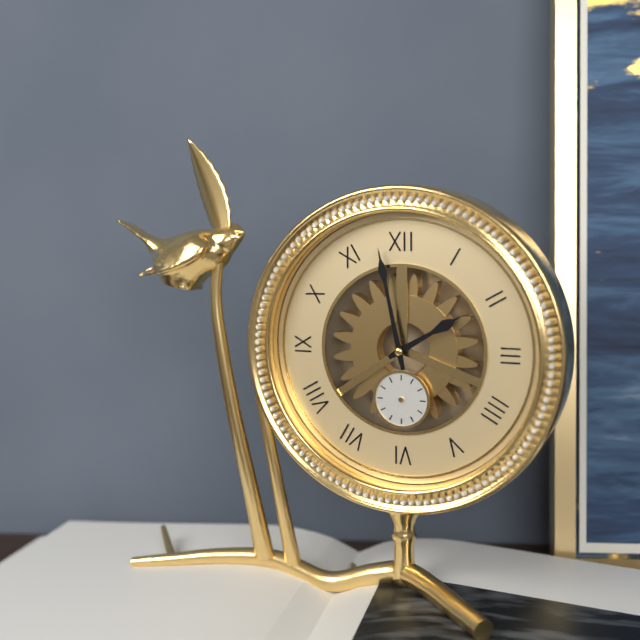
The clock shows h=1 m=58
